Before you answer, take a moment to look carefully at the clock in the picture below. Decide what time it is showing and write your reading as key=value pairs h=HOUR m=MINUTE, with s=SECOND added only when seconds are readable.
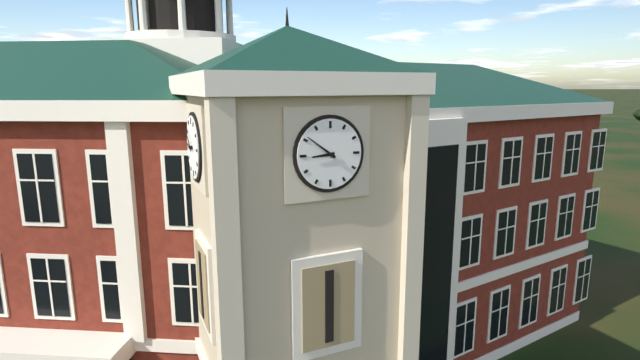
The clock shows h=8 m=51
